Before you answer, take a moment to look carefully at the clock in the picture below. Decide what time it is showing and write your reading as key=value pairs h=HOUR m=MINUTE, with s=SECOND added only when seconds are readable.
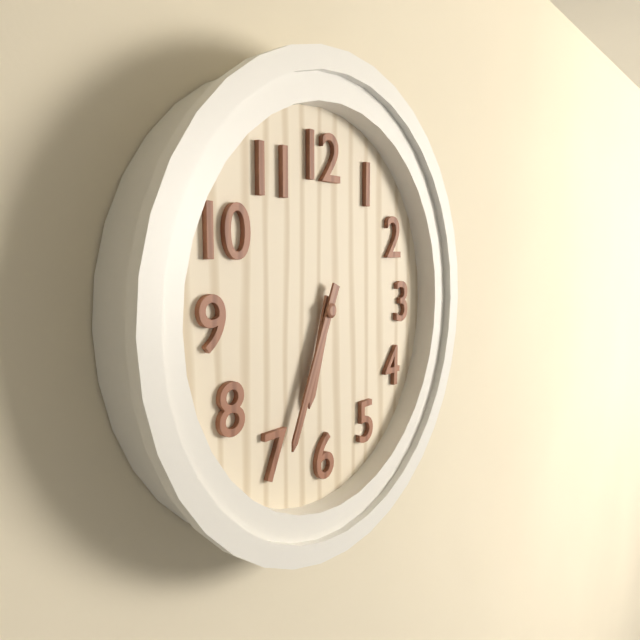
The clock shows h=6 m=34
